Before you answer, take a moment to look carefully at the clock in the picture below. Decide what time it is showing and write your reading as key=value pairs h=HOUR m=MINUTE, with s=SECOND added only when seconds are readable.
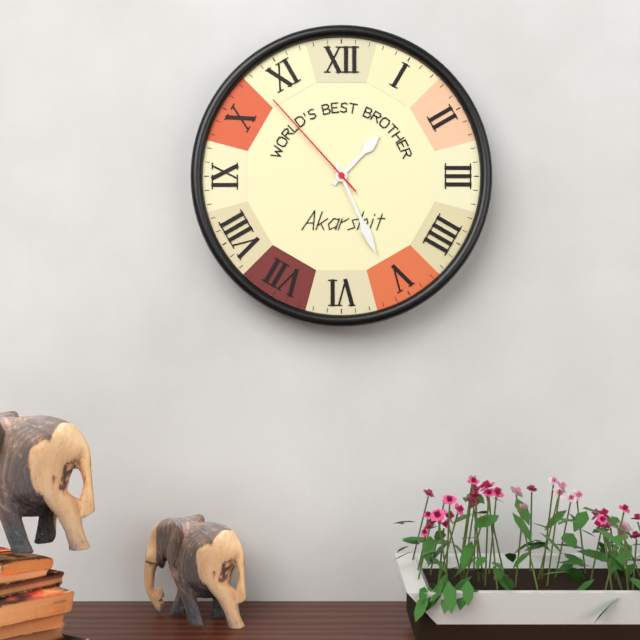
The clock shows h=1 m=26 s=53
